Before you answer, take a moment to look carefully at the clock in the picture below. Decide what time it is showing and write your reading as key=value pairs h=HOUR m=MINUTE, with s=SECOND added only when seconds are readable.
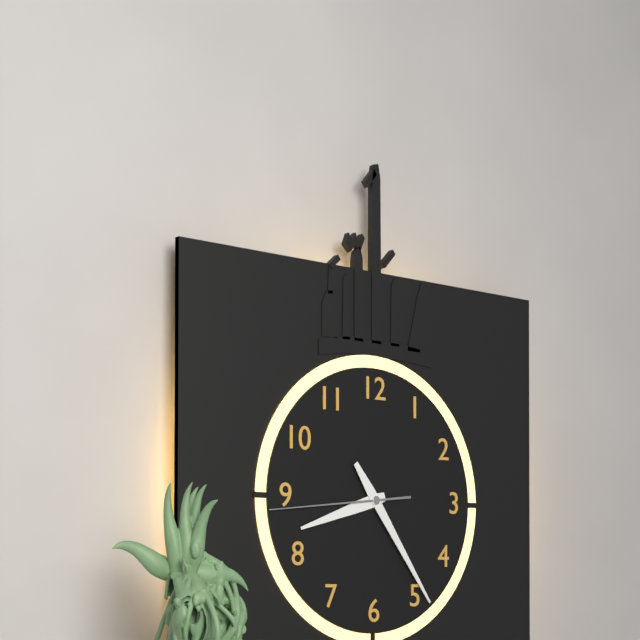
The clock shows h=8 m=24 s=44
